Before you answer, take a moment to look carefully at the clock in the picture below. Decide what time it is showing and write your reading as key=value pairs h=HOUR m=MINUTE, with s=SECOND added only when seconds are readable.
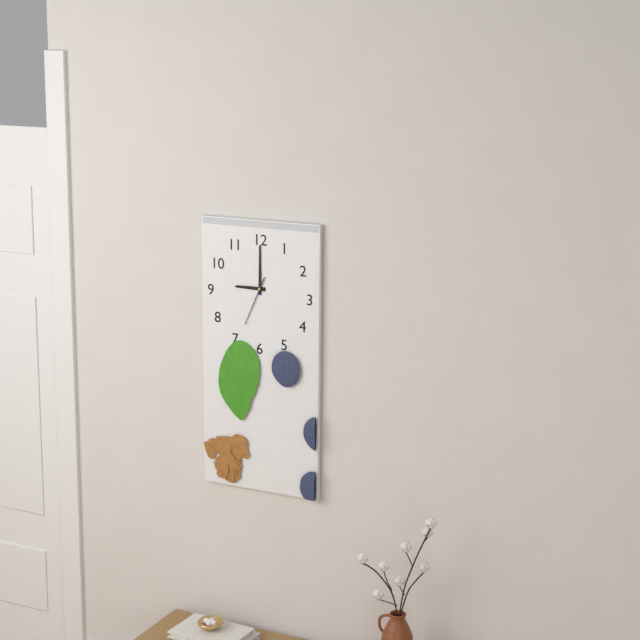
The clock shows h=9 m=0
